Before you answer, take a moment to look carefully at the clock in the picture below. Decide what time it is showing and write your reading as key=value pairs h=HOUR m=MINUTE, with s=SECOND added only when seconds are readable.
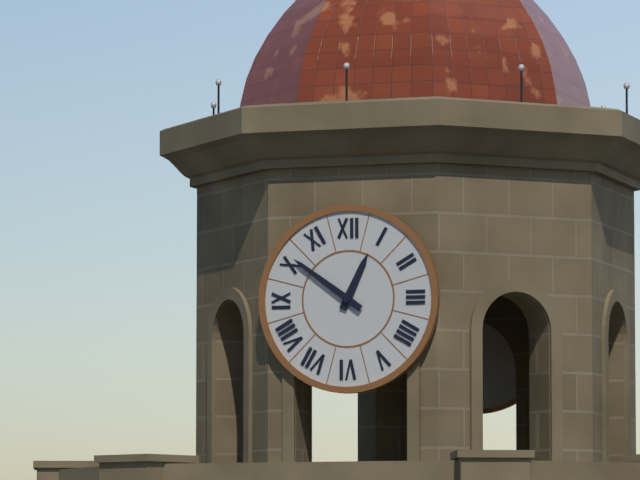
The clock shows h=12 m=51
